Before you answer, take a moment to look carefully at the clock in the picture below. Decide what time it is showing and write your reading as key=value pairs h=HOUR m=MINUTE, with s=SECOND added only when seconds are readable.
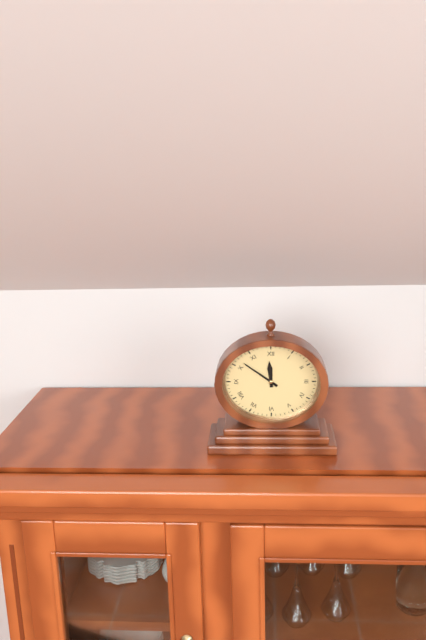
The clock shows h=11 m=51
